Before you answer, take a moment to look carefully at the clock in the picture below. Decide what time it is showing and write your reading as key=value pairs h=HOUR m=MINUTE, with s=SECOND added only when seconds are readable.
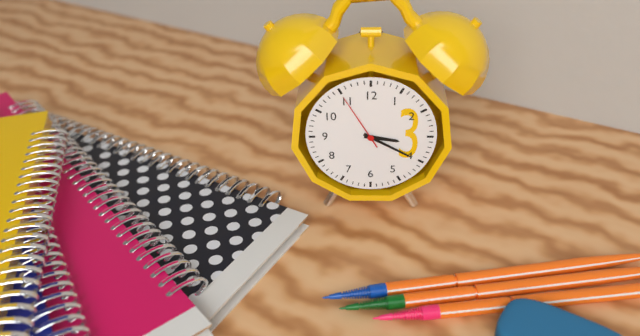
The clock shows h=3 m=20 s=55
